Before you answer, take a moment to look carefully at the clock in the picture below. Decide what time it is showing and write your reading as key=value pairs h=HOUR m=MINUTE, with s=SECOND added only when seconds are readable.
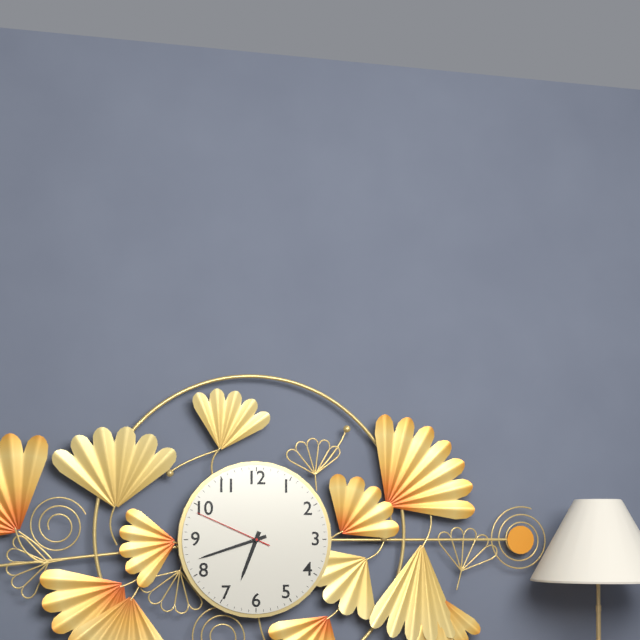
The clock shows h=6 m=42 s=49
